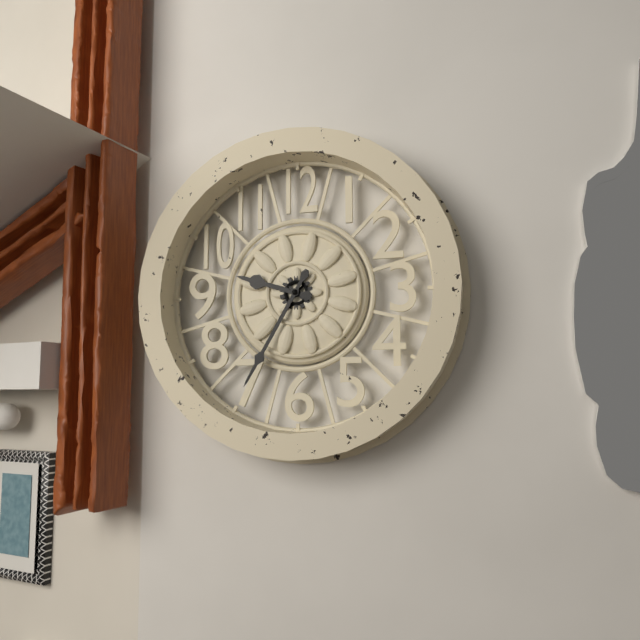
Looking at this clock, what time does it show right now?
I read 9:35
